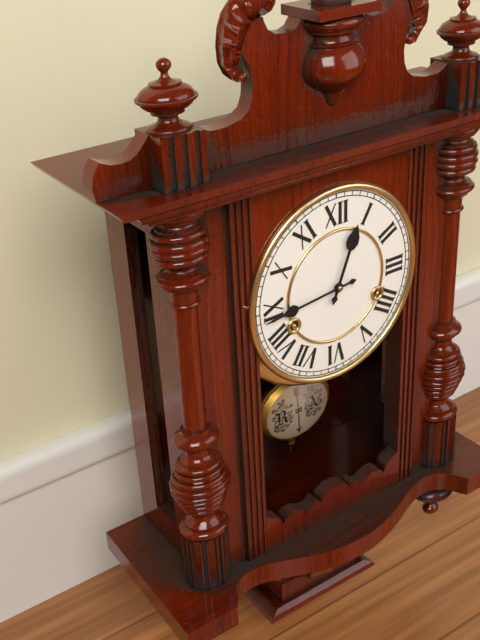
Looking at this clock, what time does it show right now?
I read 12:44
